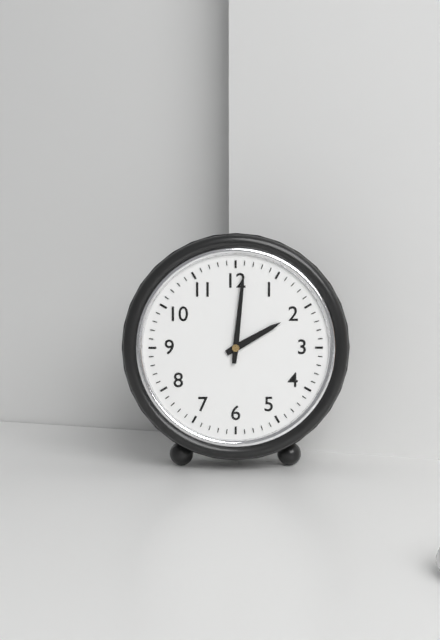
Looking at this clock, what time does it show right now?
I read 2:01
